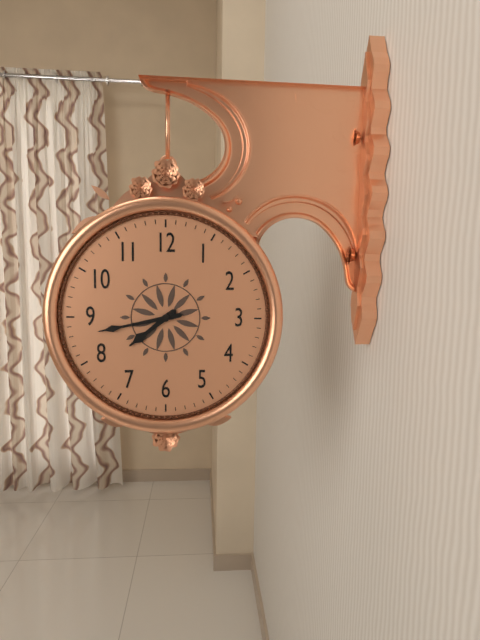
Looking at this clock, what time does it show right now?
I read 7:43
